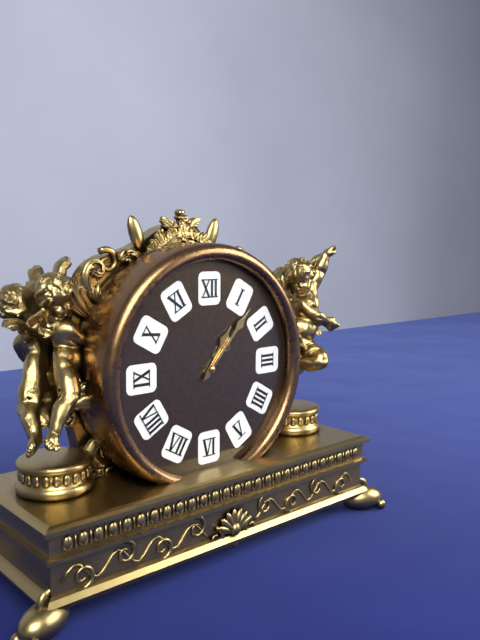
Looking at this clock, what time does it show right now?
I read 1:07
